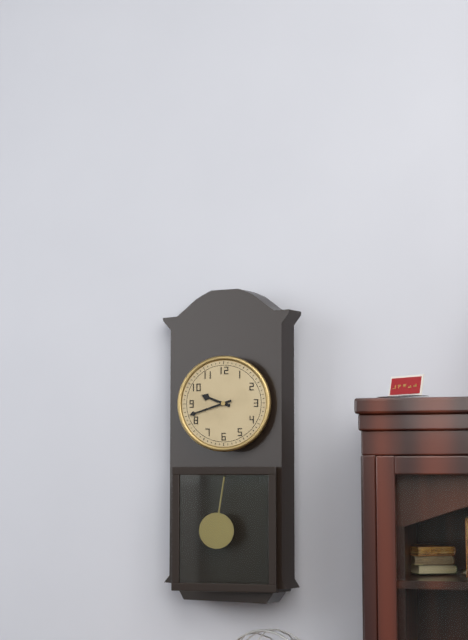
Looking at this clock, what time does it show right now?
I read 9:42
